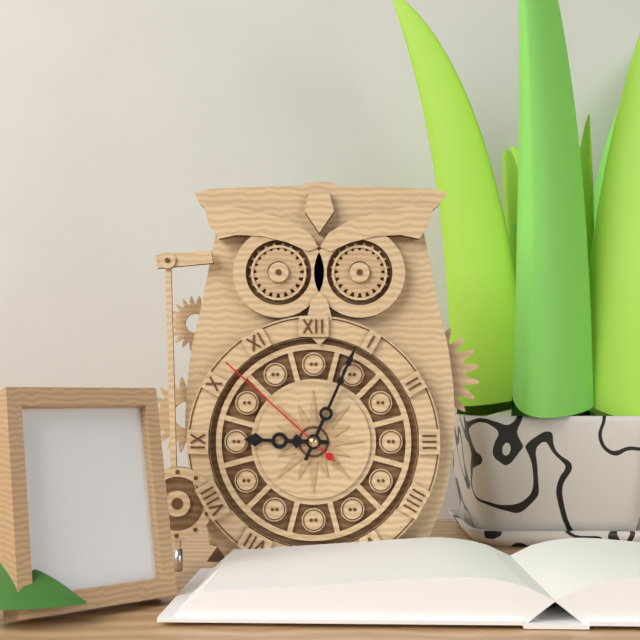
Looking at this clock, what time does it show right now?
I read 9:04:52
